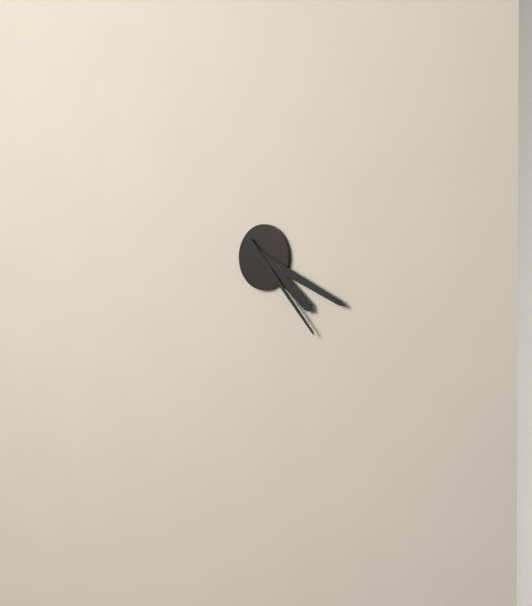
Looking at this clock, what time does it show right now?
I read 4:19:23
